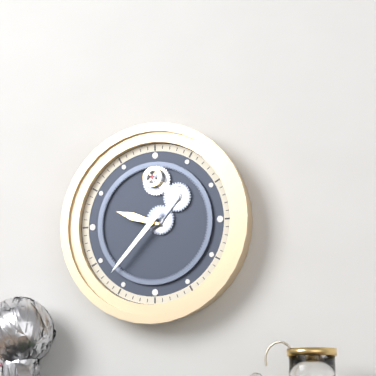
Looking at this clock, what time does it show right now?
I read 9:37
